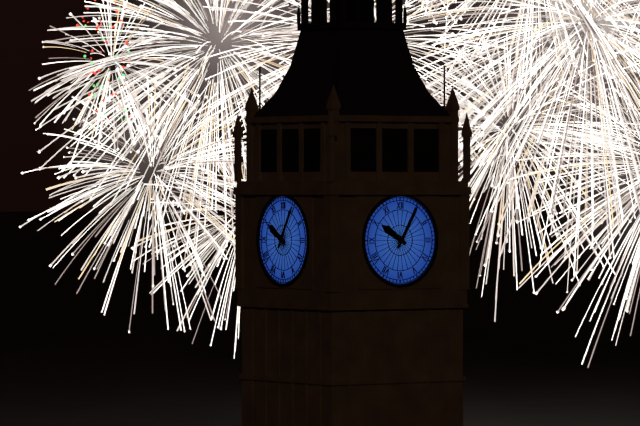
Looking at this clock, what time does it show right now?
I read 10:05
